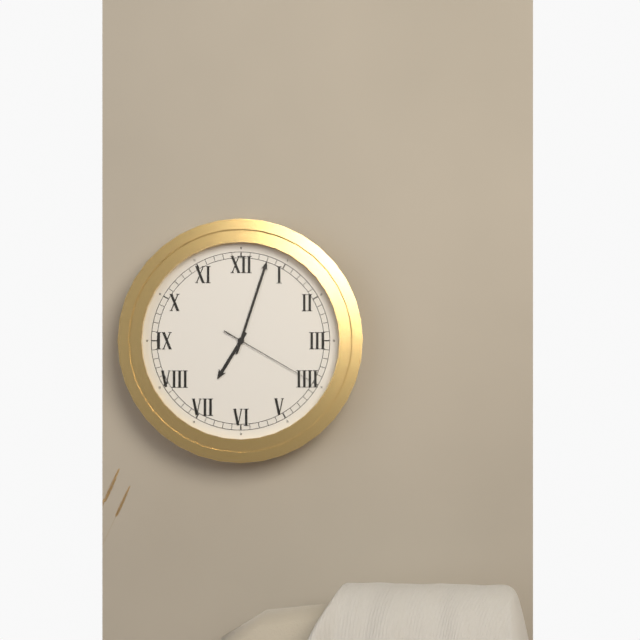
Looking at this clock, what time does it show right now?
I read 7:03:20
